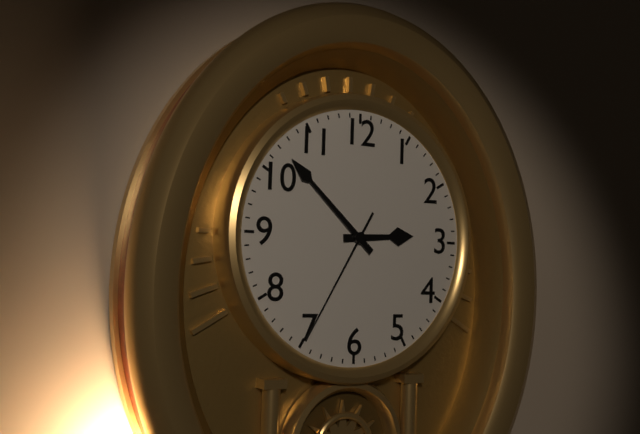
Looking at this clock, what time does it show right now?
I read 2:52:35
